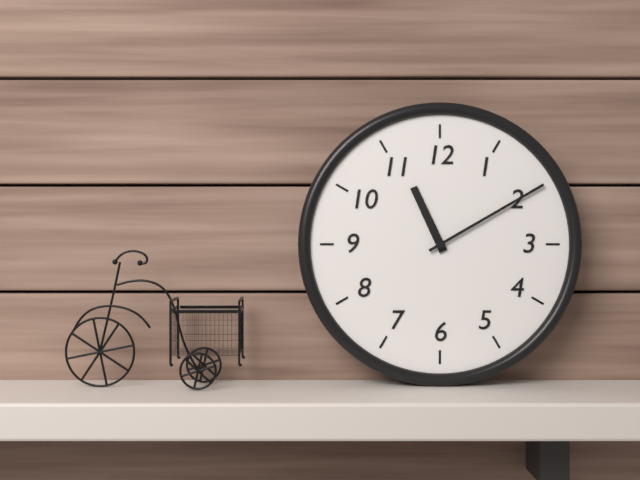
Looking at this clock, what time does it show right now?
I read 11:10
